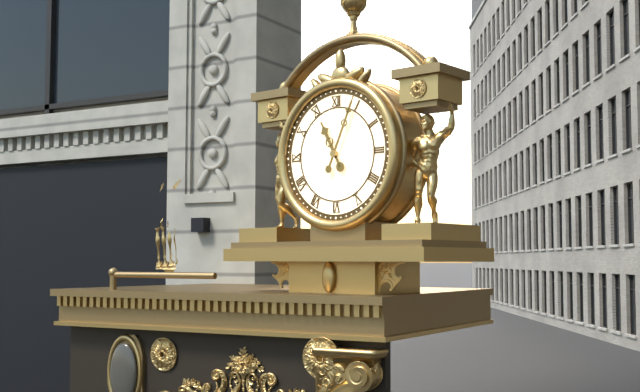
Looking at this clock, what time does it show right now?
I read 11:04
